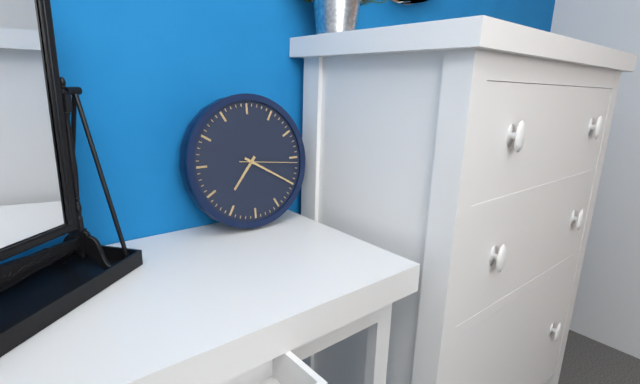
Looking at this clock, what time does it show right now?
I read 7:20:16
